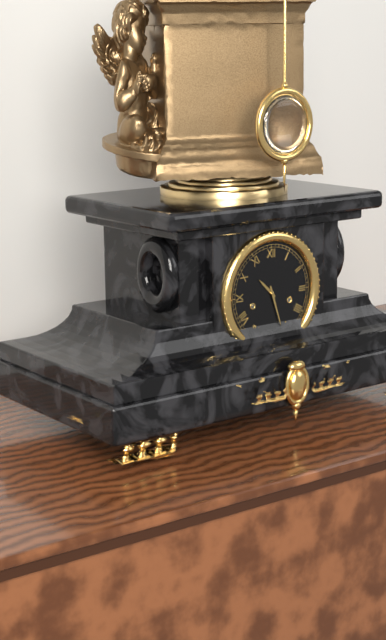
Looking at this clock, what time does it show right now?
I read 10:27
